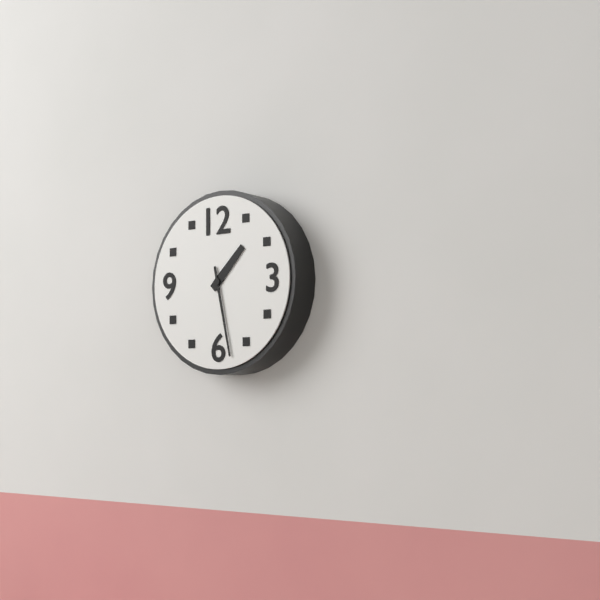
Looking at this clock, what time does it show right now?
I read 1:28
